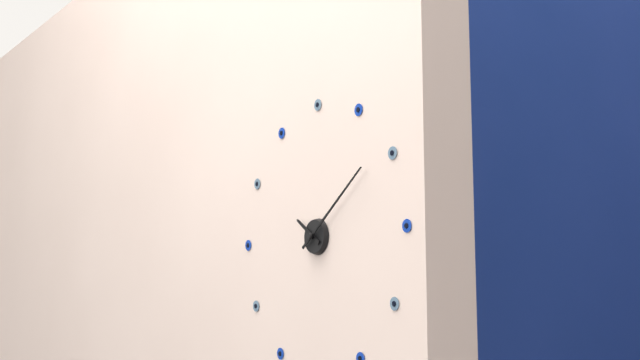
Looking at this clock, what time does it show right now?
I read 10:09
